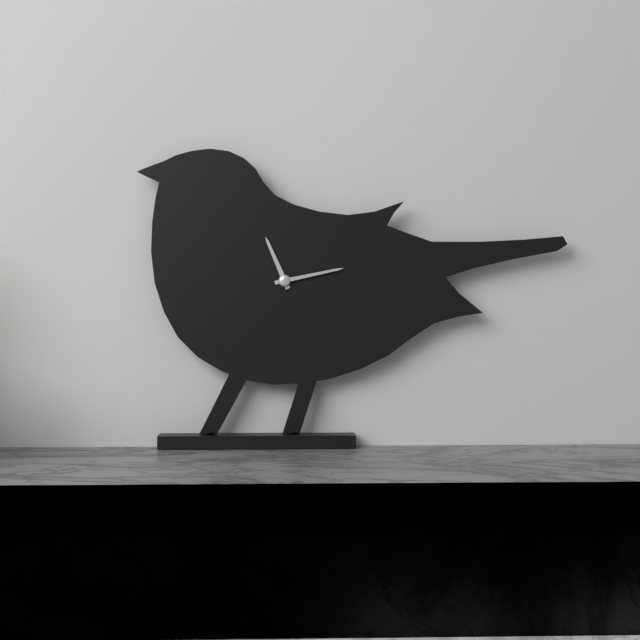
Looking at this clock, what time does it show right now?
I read 11:13
